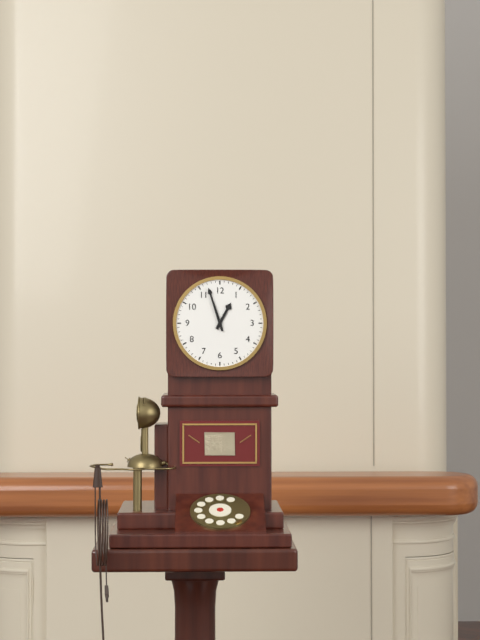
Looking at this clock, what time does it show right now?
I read 12:57
